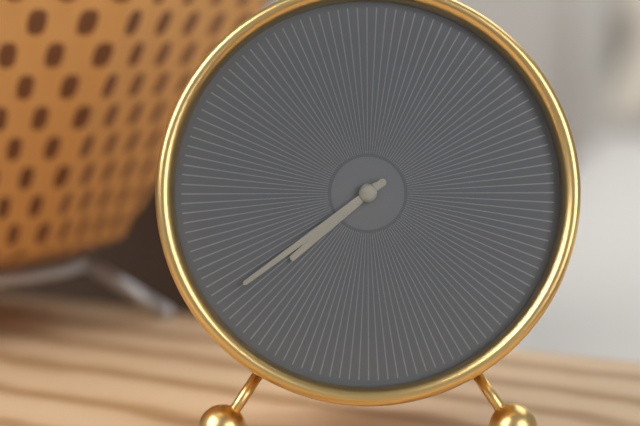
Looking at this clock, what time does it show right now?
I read 7:39
